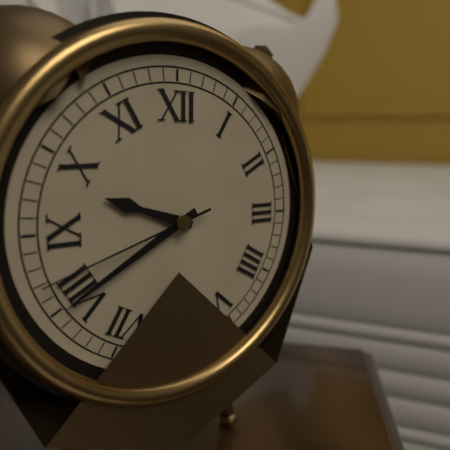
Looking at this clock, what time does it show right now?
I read 9:40:42
